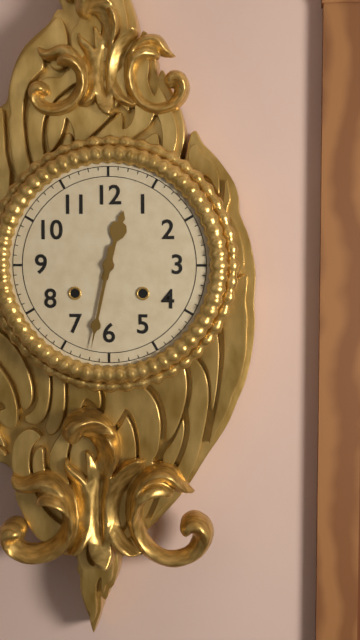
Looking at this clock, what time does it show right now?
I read 12:32
